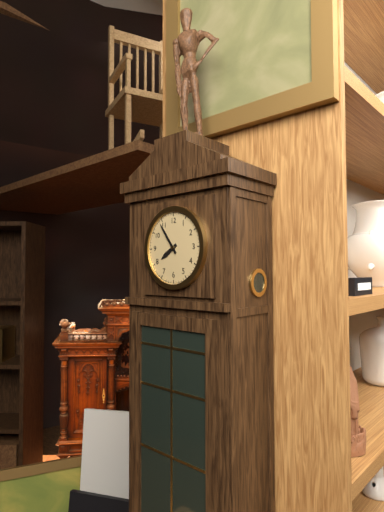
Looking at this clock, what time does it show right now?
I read 7:54
